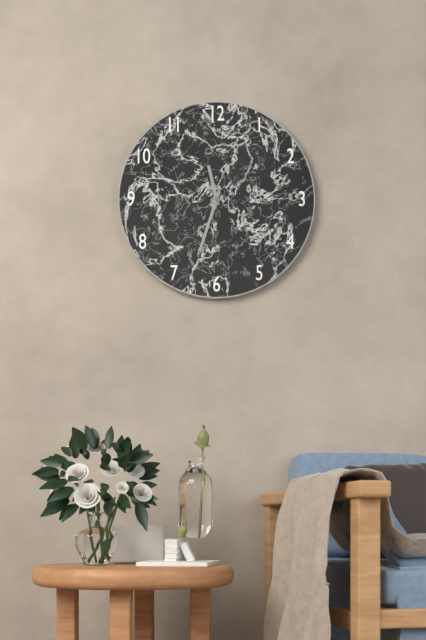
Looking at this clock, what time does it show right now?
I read 11:33
